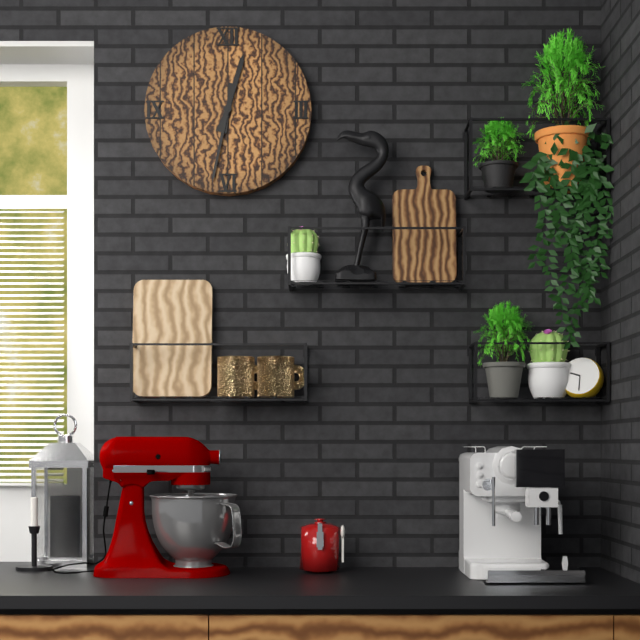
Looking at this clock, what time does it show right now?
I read 12:32
